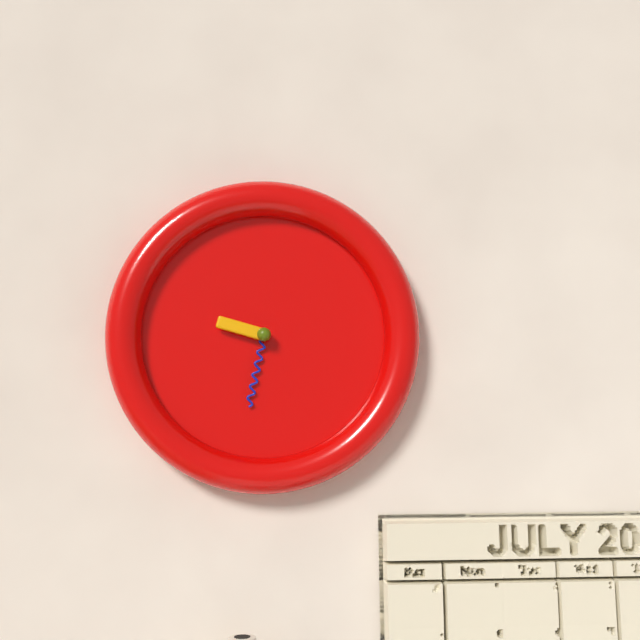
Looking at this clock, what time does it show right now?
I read 9:32
